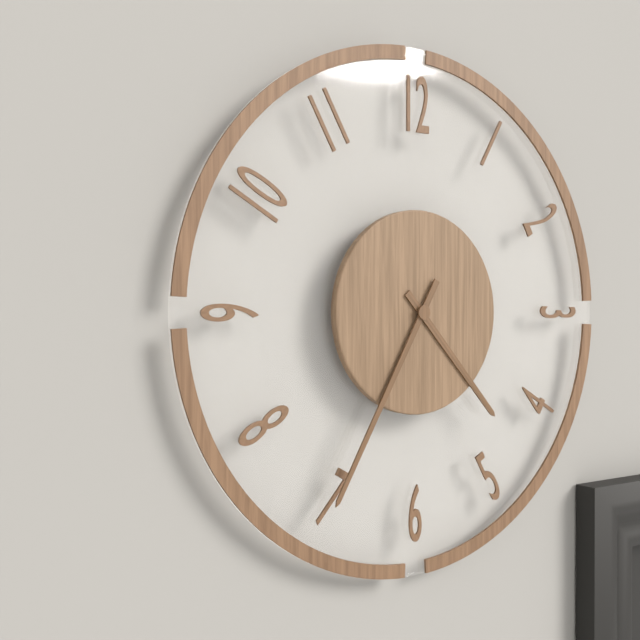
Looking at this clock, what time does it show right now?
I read 4:35
